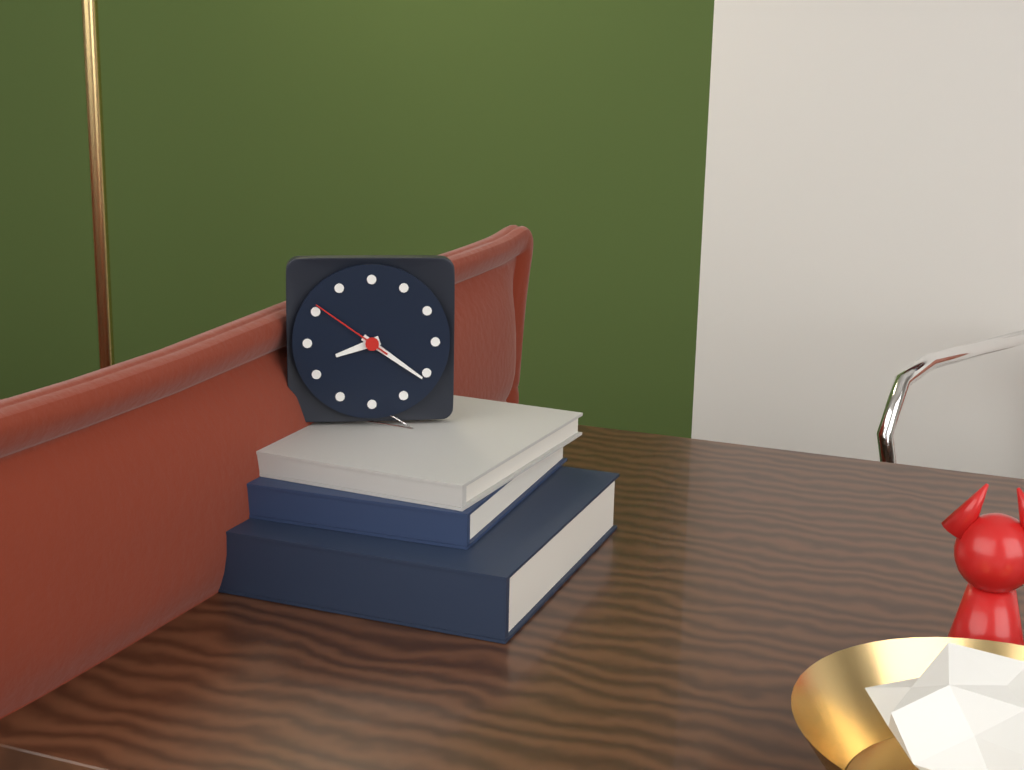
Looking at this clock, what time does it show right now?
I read 8:21:51
